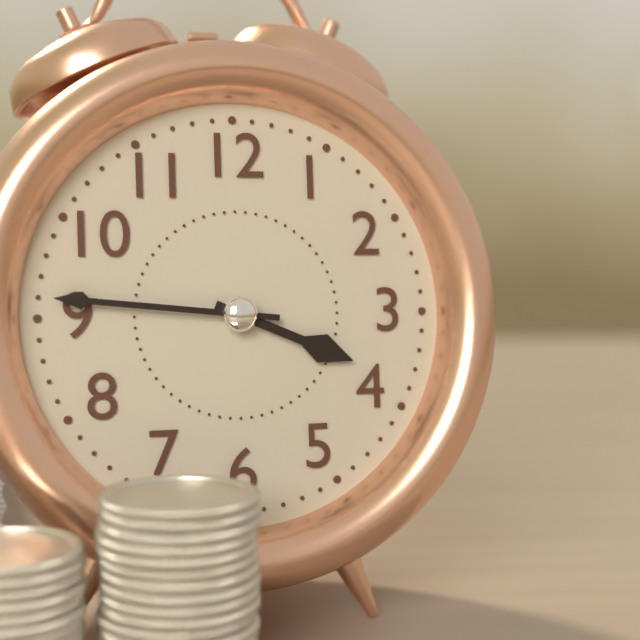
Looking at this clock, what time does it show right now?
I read 3:46
